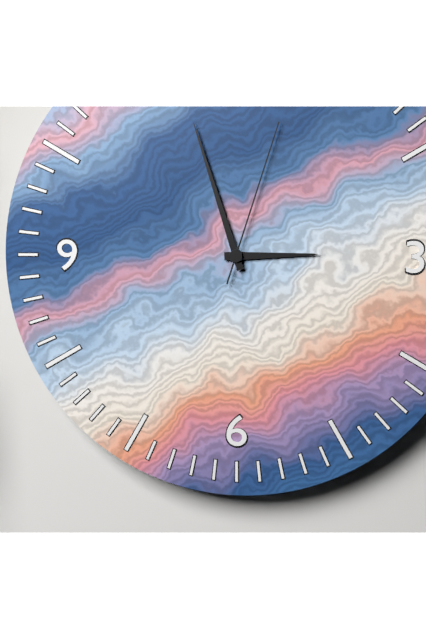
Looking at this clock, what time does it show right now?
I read 2:57:03
